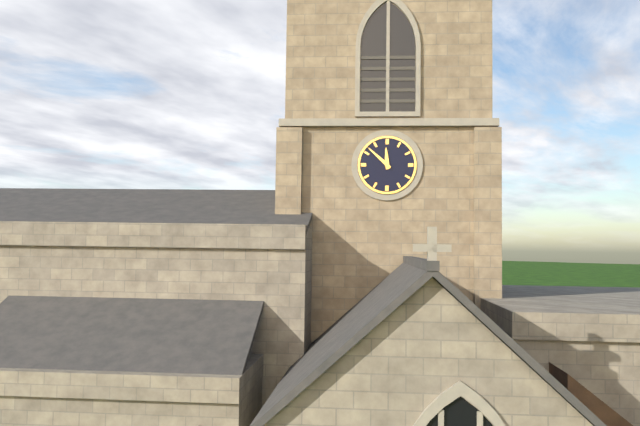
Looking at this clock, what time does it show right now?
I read 11:52
